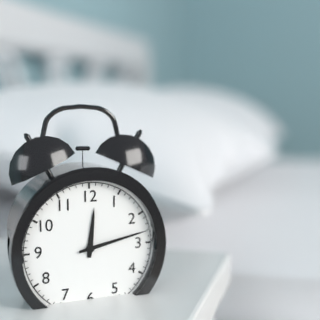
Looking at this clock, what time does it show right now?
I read 12:13
